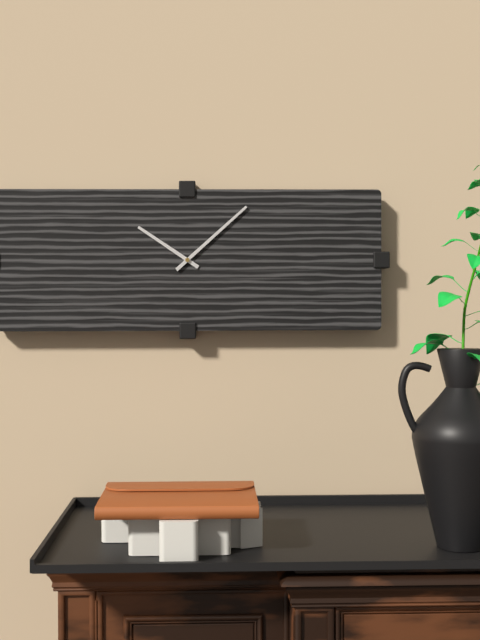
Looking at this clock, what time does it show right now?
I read 10:08
